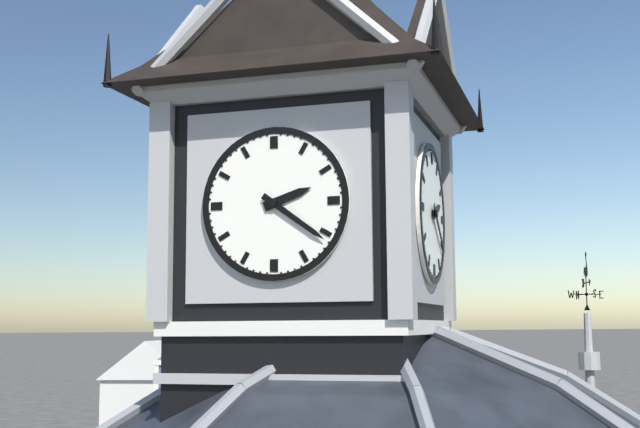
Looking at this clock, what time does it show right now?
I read 2:21
